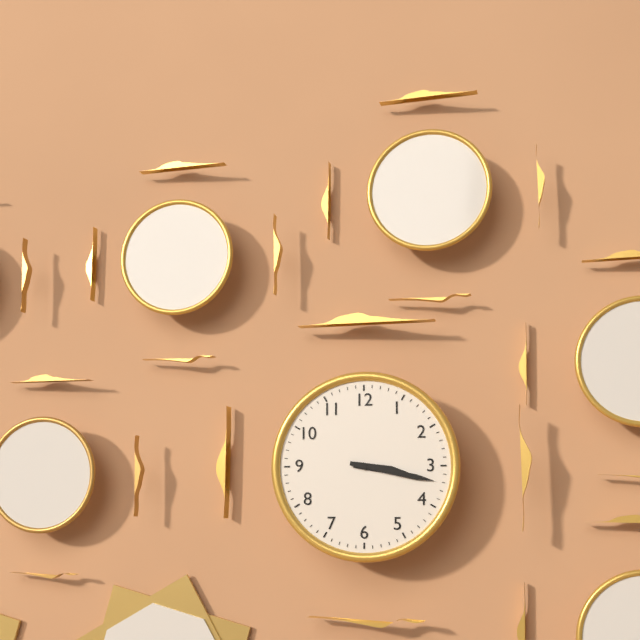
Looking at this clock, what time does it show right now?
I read 3:17
